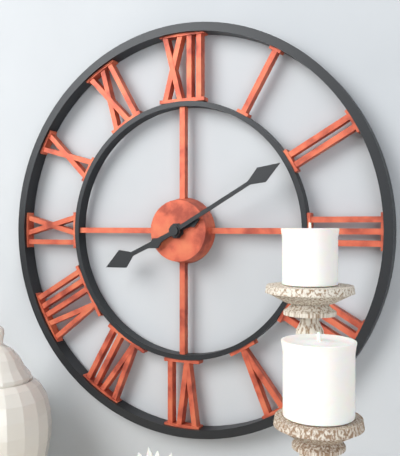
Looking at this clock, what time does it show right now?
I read 8:10
